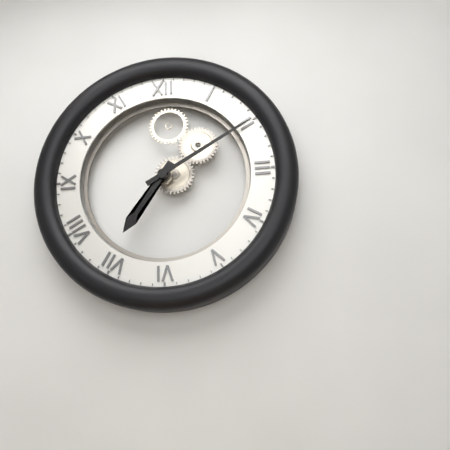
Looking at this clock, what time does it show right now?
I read 7:10
